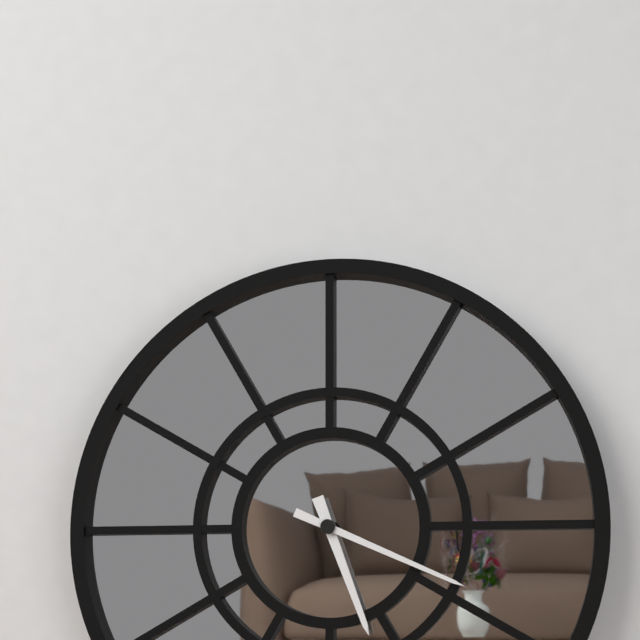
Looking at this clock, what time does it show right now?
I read 5:19
